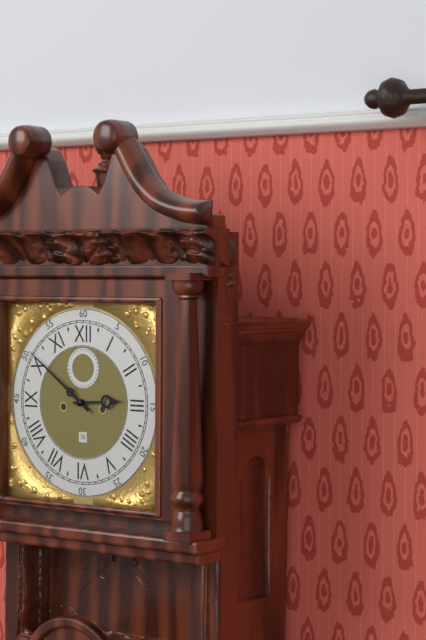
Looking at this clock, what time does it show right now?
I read 2:51
